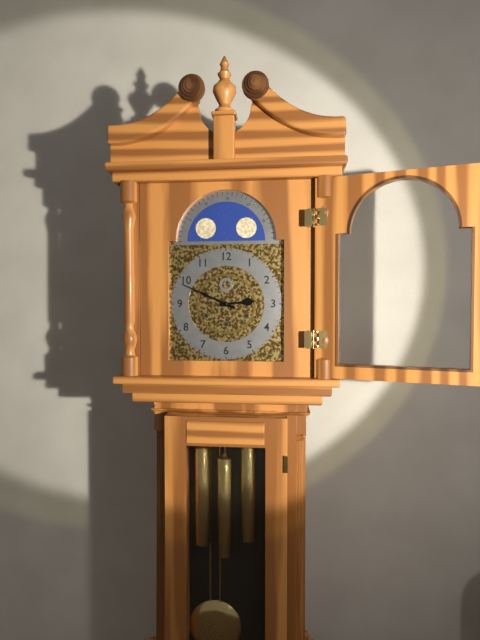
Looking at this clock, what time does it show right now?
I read 2:49
